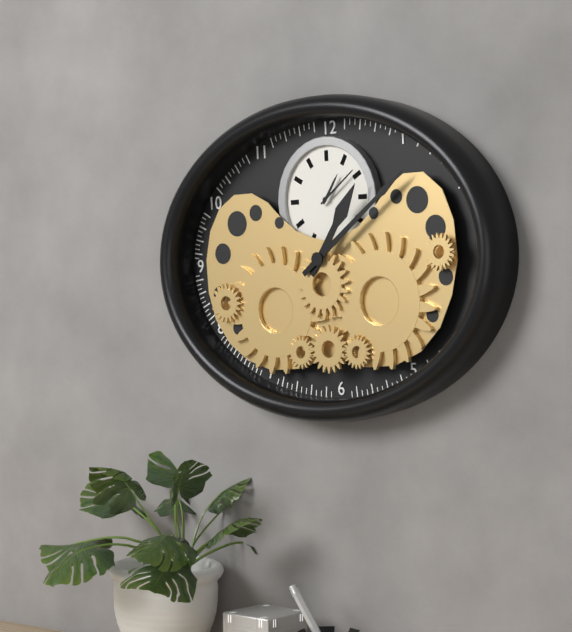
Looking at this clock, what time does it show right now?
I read 1:09
